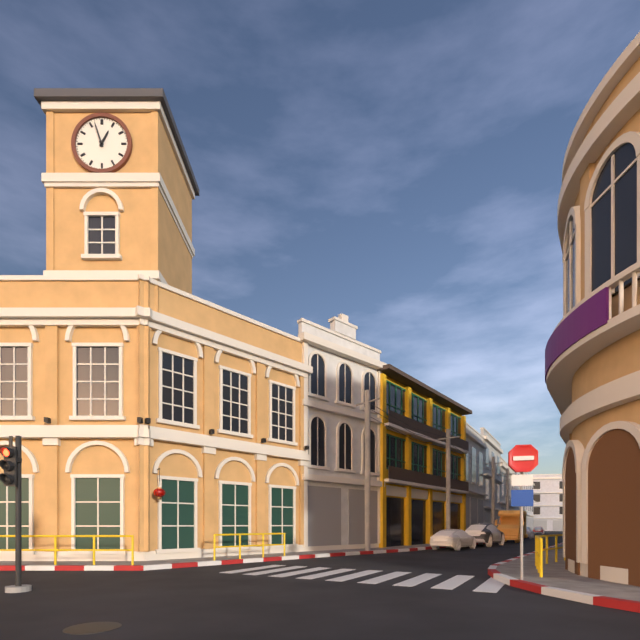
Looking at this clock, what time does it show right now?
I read 12:57
